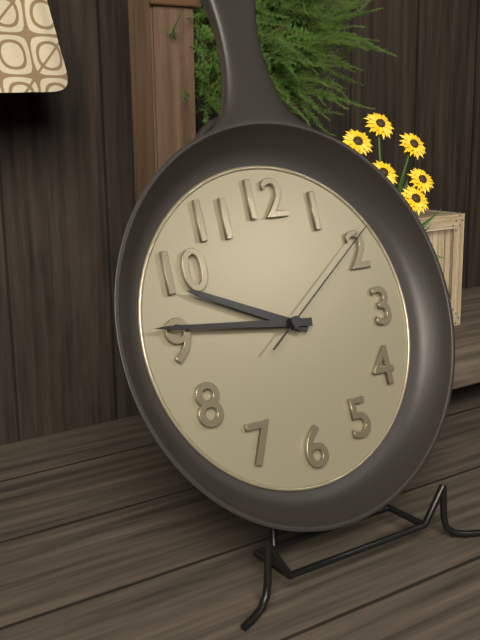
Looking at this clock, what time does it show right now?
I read 9:46:09
